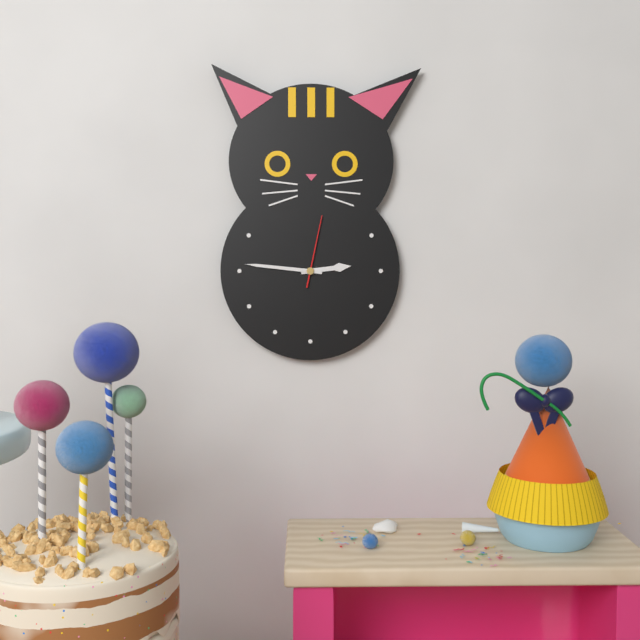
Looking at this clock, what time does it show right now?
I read 2:46:02
